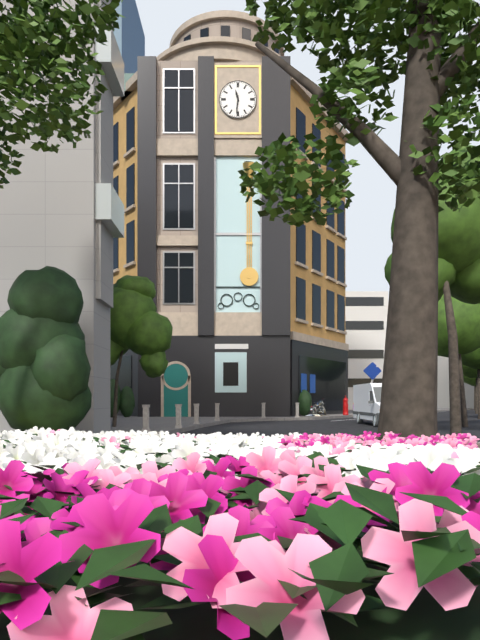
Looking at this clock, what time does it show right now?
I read 11:31
